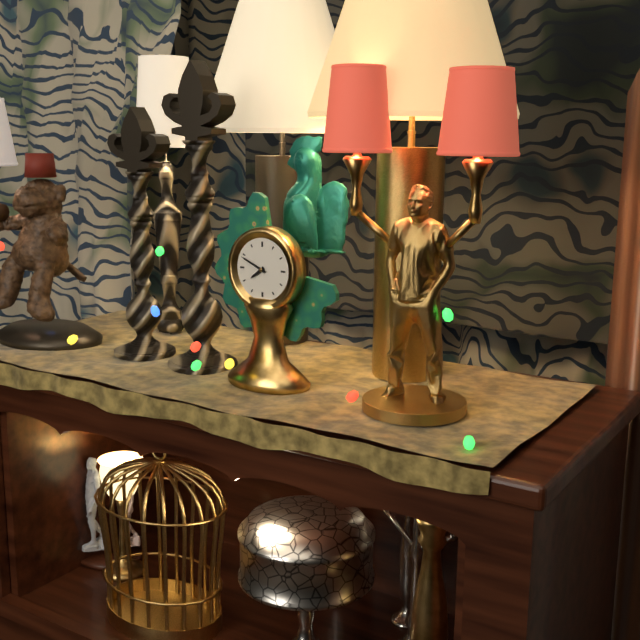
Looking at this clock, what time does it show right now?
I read 7:49
